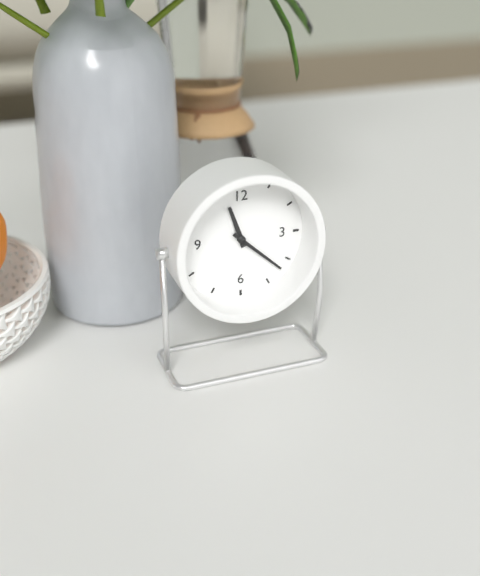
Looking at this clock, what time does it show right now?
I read 11:22
